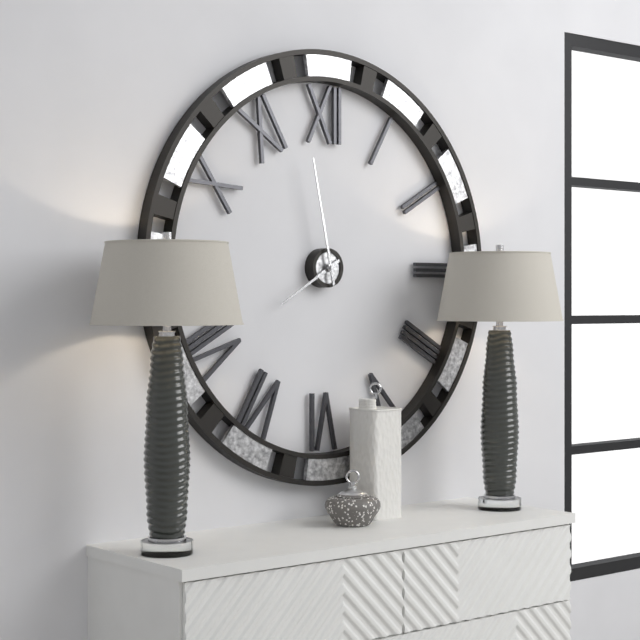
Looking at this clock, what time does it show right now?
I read 7:58
